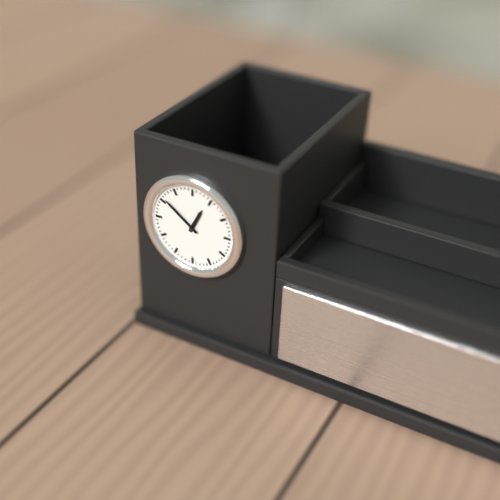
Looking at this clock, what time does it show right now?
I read 12:51
